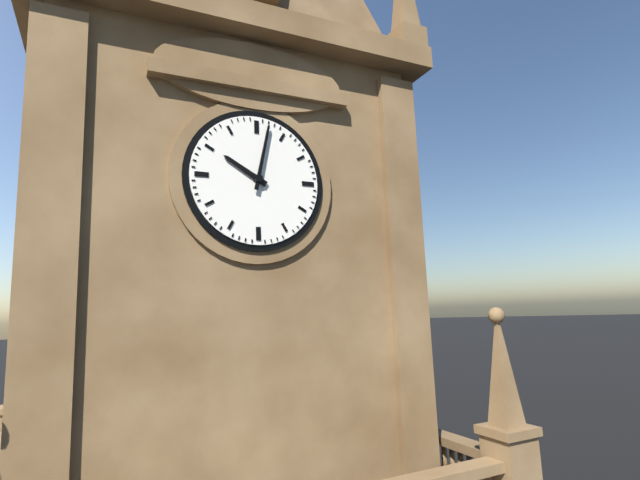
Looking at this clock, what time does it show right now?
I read 10:02
